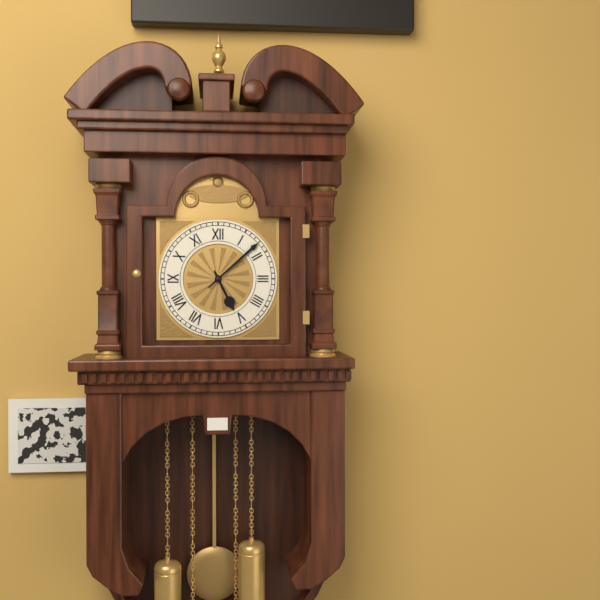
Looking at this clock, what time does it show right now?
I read 5:08
